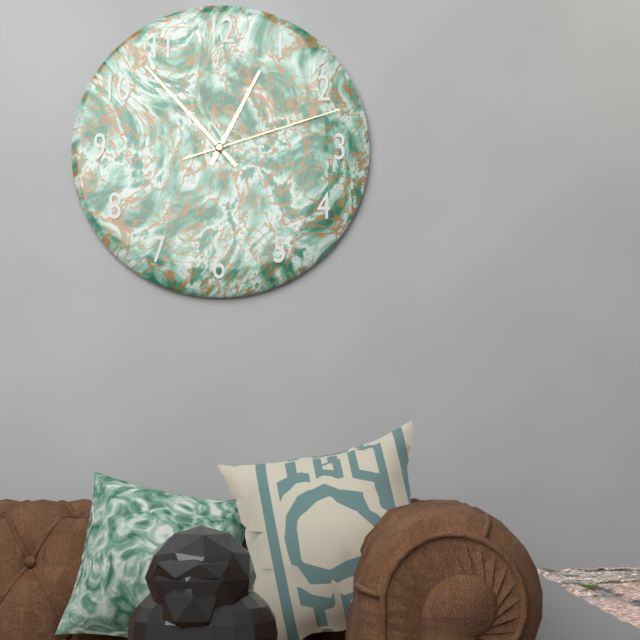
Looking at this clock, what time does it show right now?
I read 12:53:12
